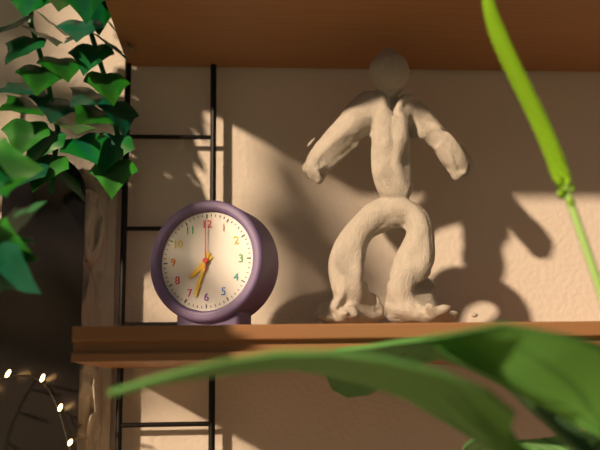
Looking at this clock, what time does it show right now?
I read 7:33:00
